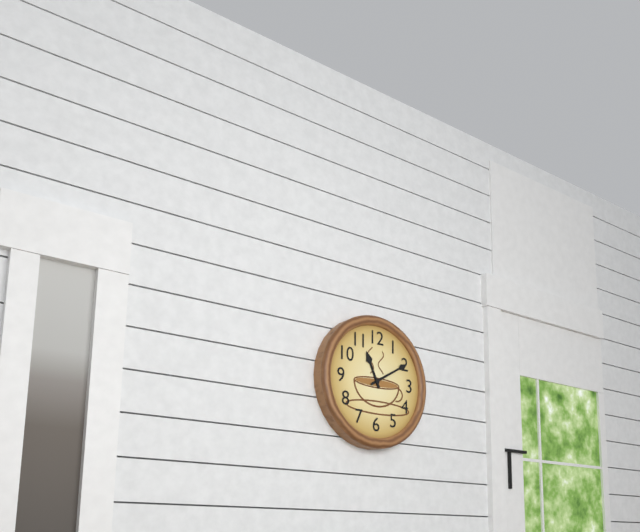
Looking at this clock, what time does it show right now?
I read 11:10
